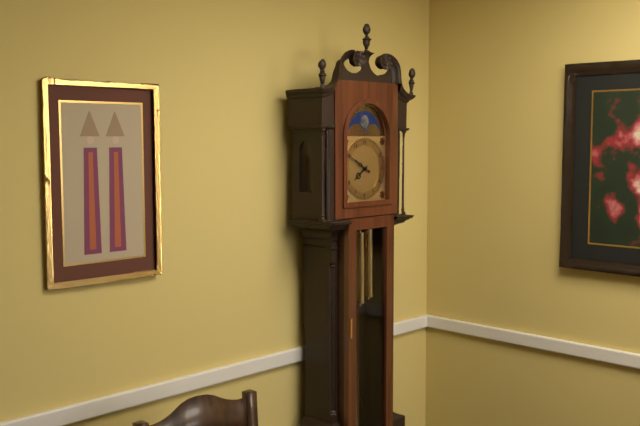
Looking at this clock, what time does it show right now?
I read 7:50
